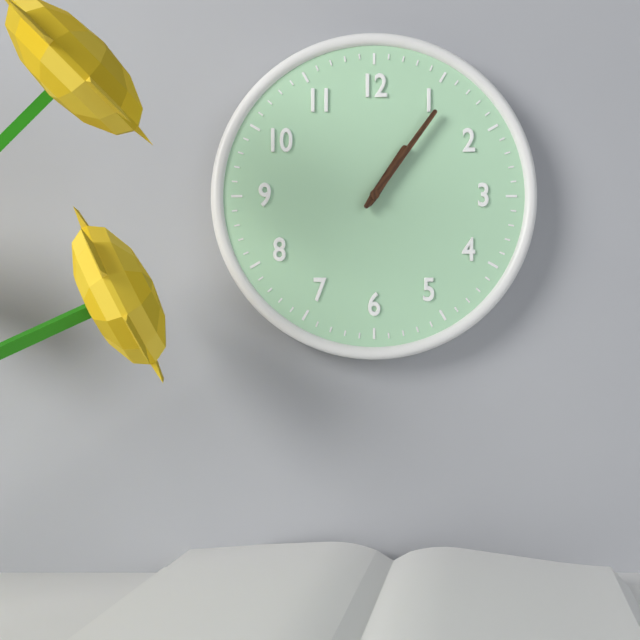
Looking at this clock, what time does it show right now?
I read 1:06
